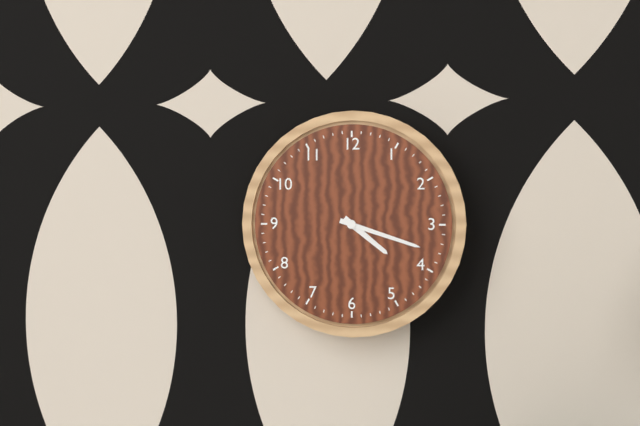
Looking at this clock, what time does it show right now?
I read 4:18
